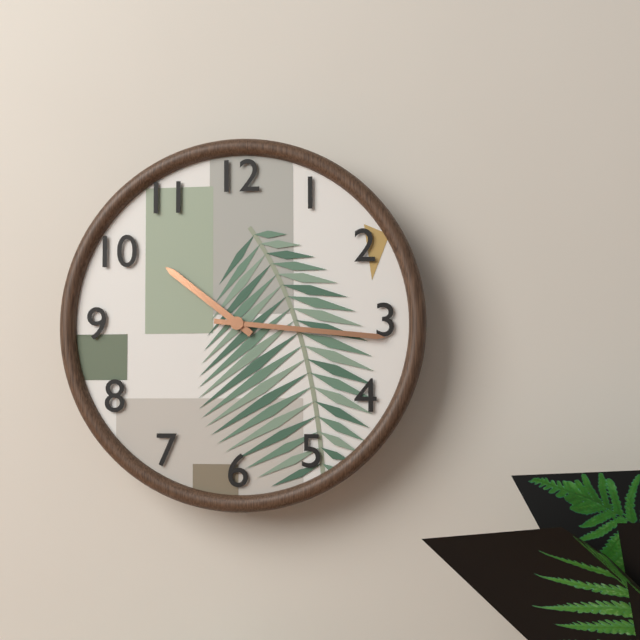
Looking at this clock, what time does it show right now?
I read 10:16
